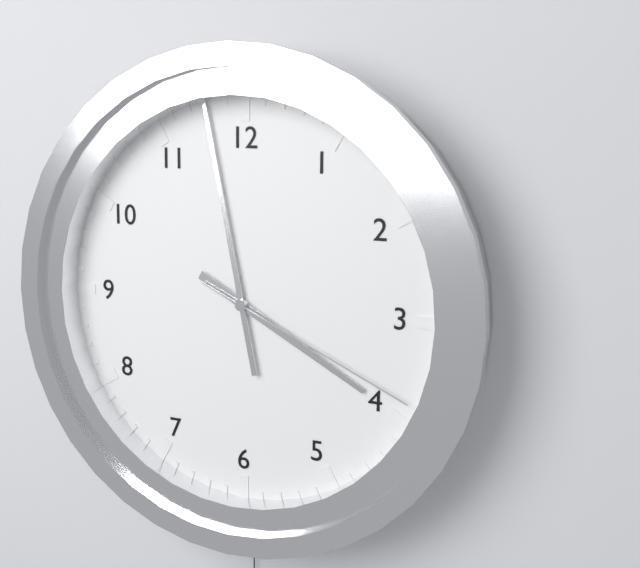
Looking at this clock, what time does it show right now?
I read 3:58:19
